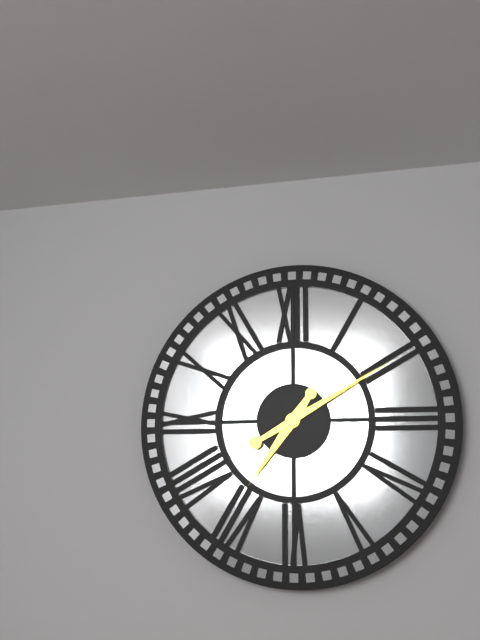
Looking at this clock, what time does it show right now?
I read 7:10
